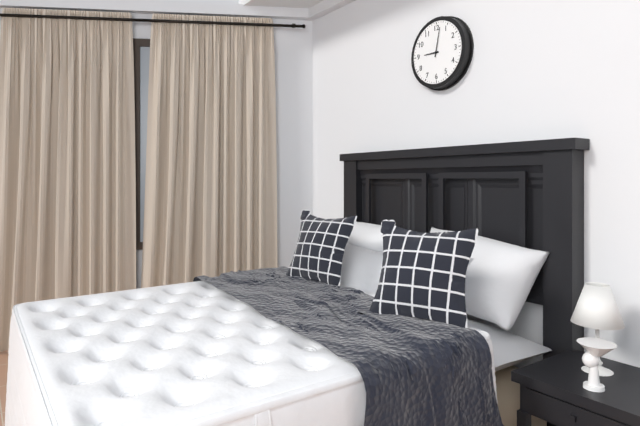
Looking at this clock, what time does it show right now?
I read 9:02
